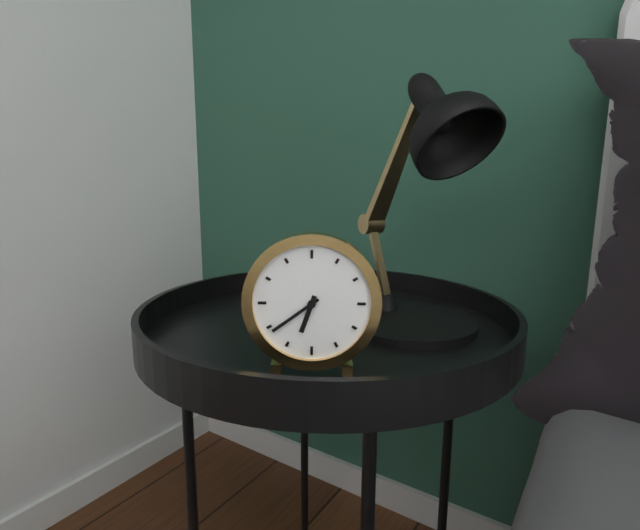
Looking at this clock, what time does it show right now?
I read 6:39
